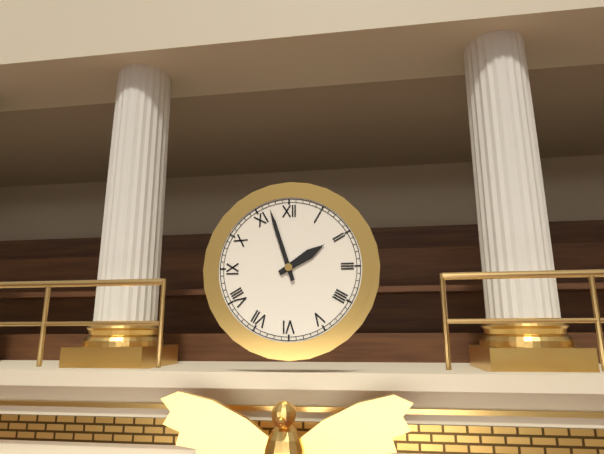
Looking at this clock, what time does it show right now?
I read 1:57
